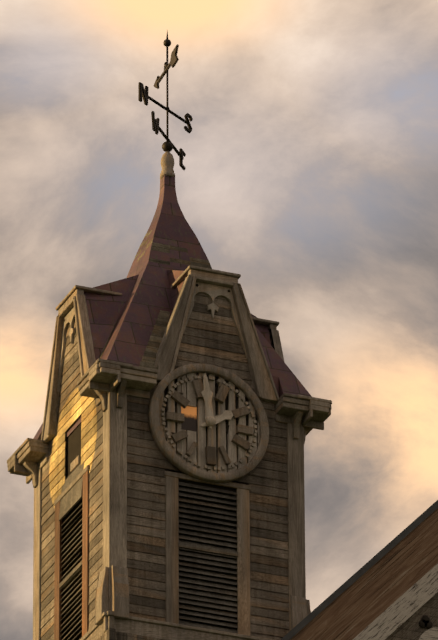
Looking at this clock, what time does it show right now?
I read 1:59
